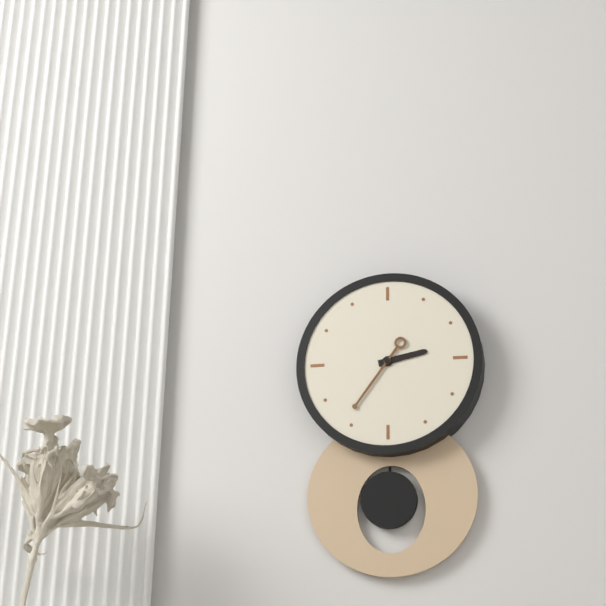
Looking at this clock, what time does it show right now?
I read 2:36
